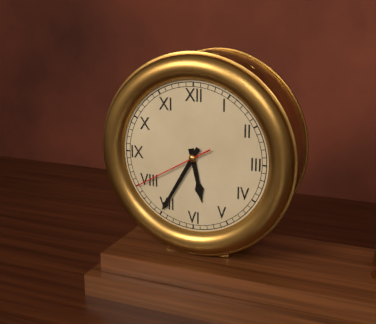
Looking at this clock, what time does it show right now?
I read 5:35:40
